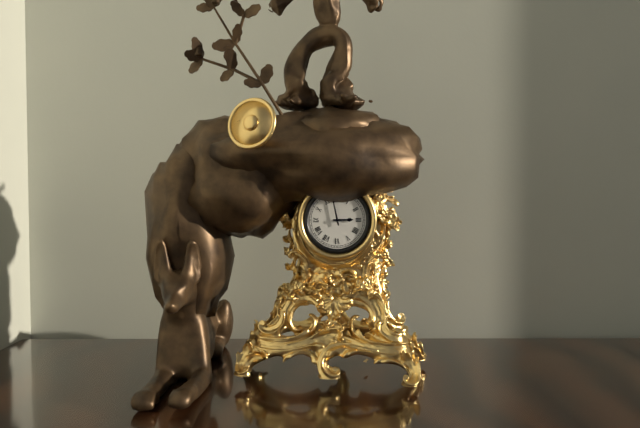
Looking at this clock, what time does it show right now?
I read 2:58
